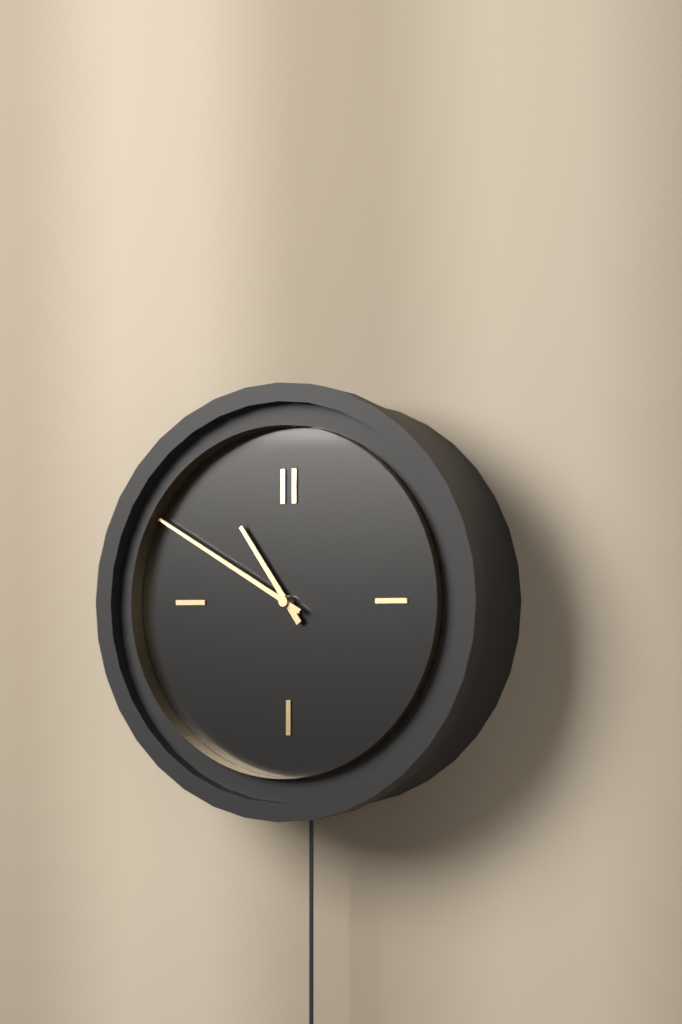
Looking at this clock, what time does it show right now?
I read 10:50
